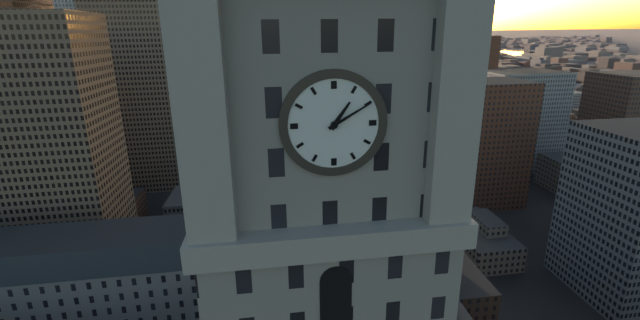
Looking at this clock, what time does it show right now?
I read 1:10
